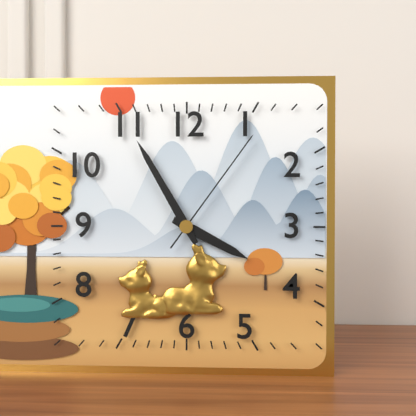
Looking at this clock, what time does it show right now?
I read 3:55:06
